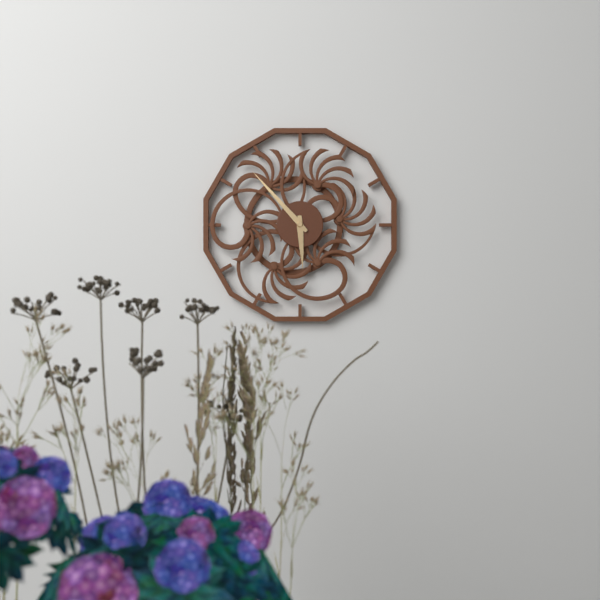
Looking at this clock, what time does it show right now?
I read 5:53
